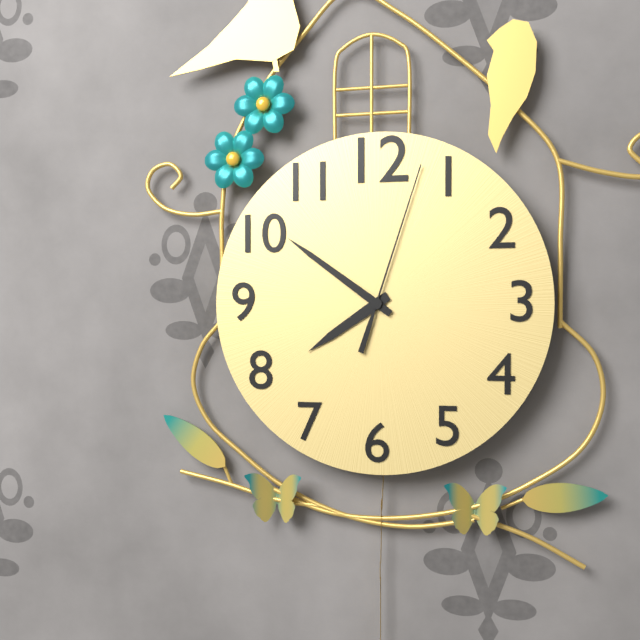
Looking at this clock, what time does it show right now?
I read 7:51:03
